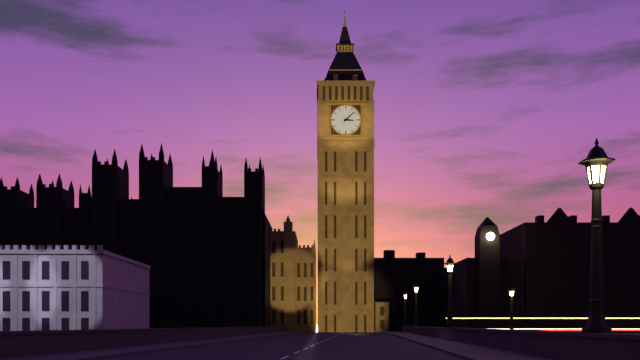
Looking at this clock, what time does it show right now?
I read 3:08
